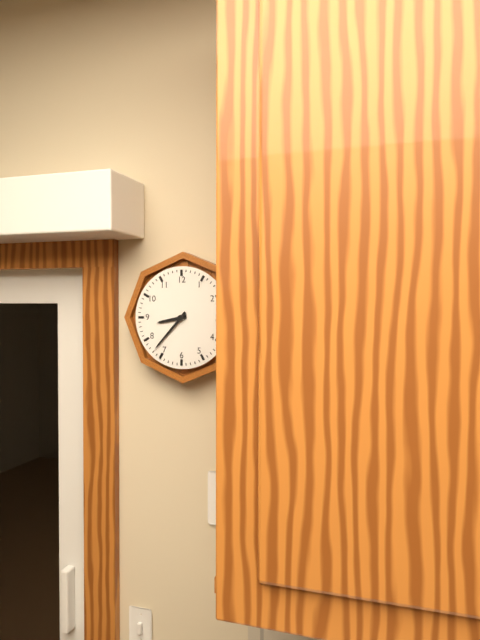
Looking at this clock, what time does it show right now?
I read 8:37
